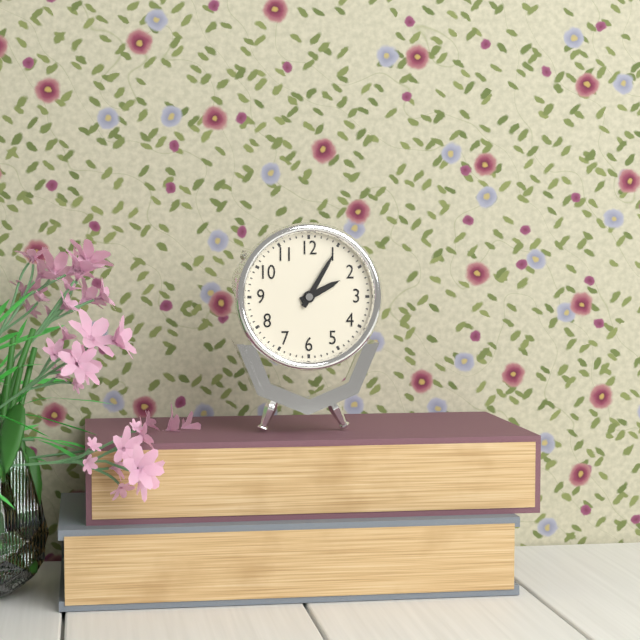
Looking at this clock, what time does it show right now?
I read 2:05
